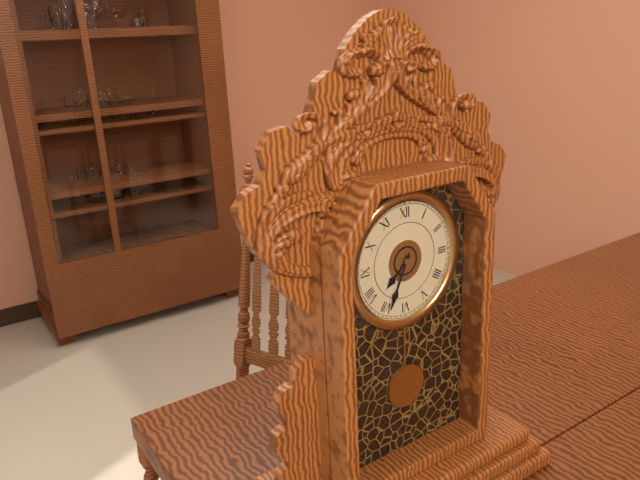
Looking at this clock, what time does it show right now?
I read 7:34
